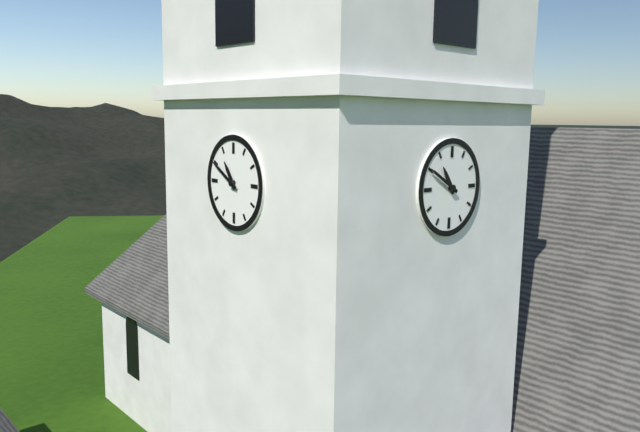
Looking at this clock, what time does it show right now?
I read 10:50
